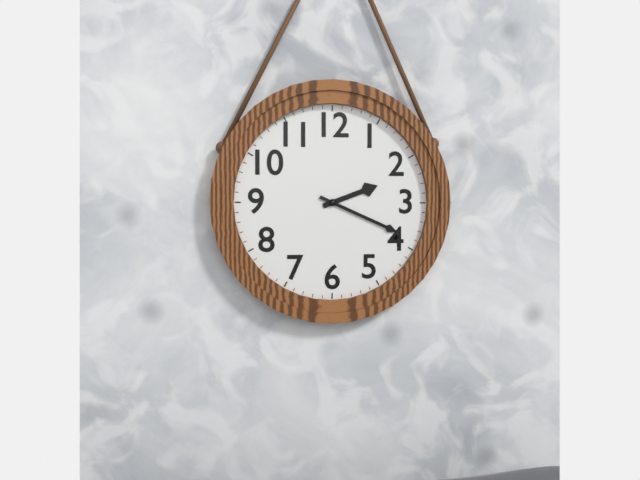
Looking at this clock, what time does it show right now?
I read 2:19
